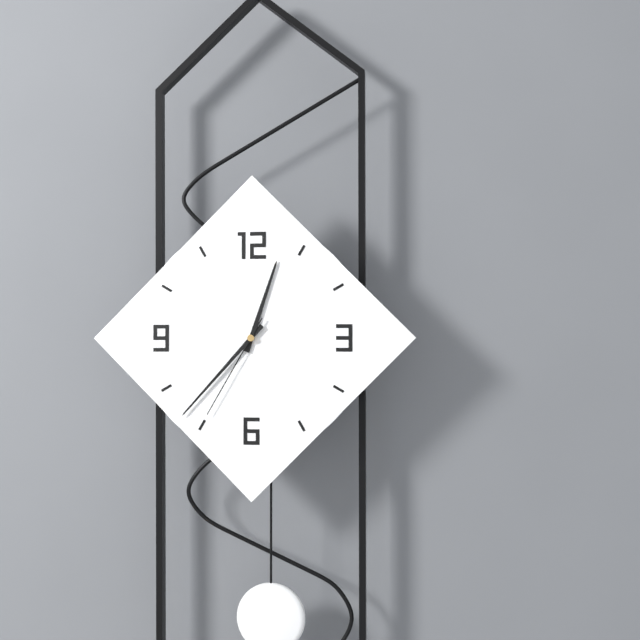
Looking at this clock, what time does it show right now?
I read 12:37:35
